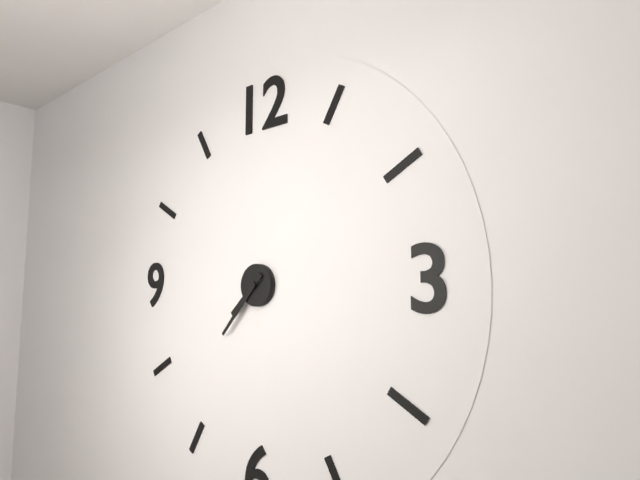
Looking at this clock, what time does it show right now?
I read 7:37
